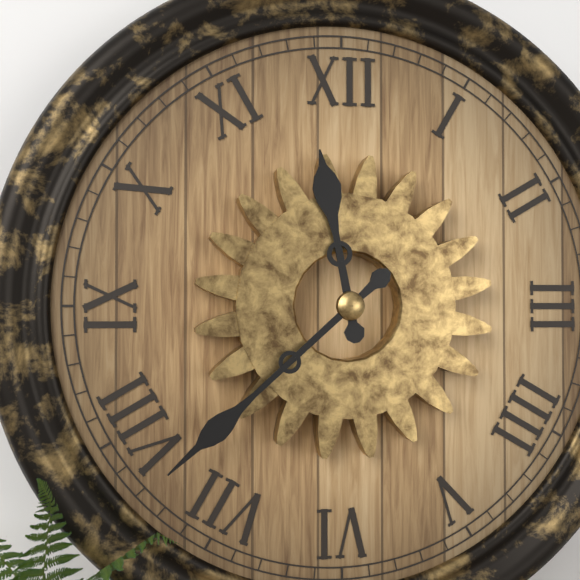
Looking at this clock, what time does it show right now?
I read 11:38
